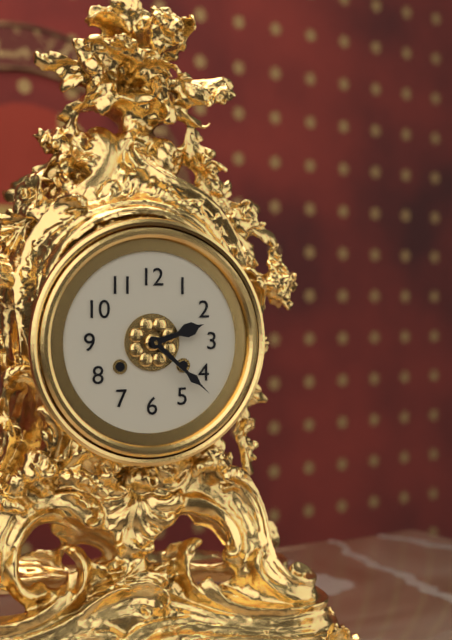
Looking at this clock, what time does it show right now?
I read 2:22
